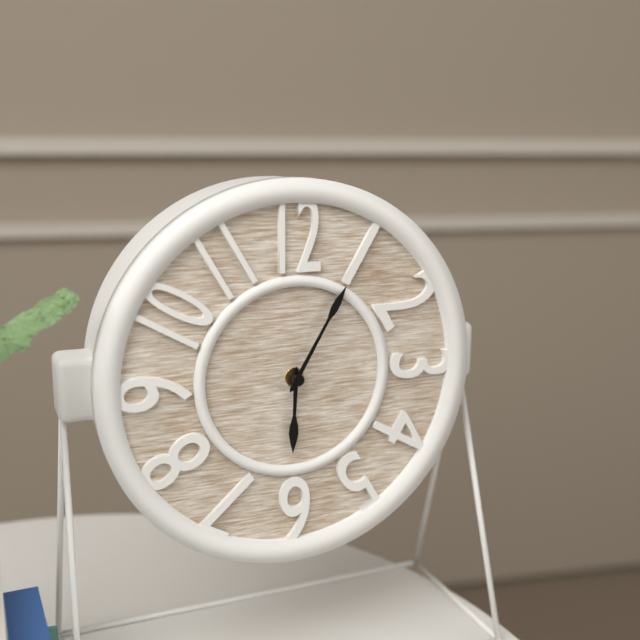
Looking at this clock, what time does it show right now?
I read 6:05
